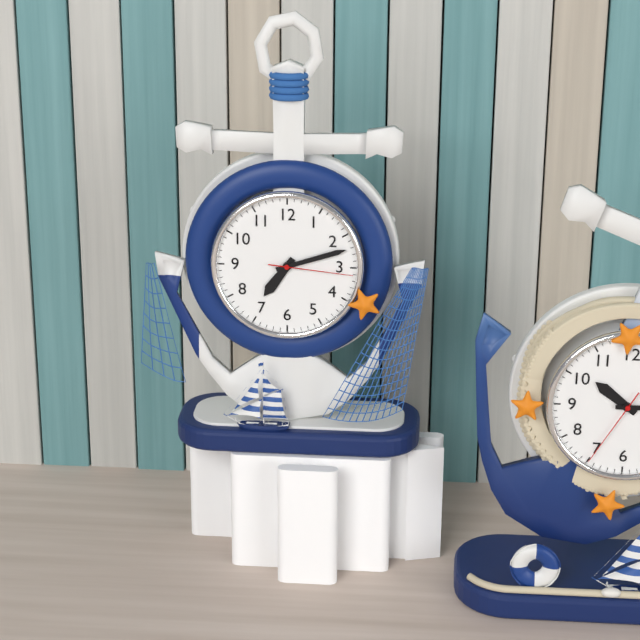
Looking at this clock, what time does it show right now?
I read 7:12:16
